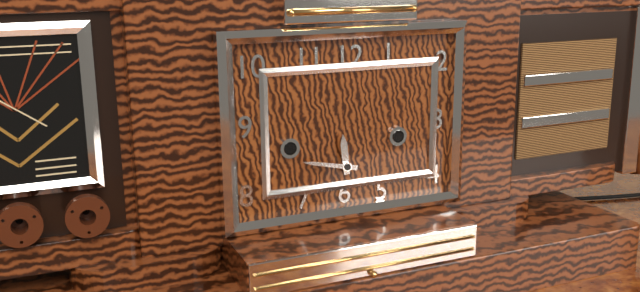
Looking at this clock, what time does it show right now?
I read 11:47
